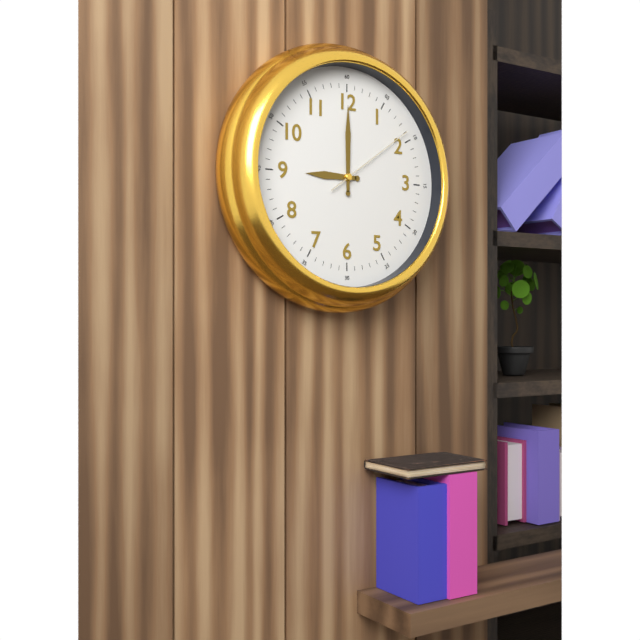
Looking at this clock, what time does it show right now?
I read 9:00:09
